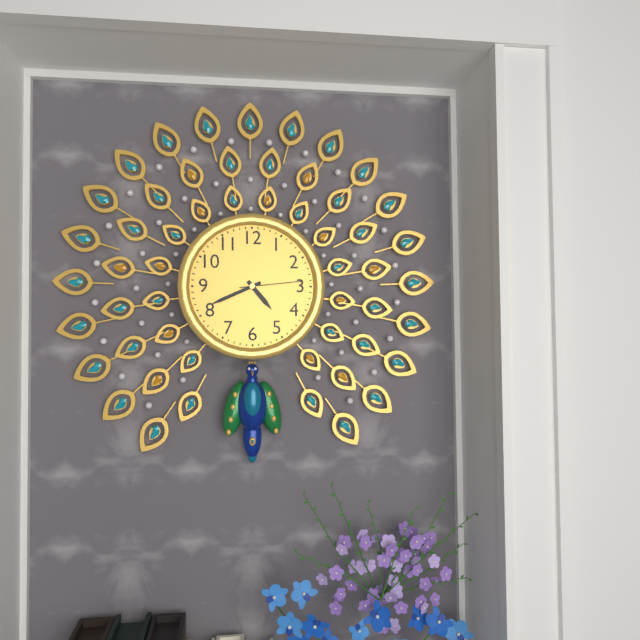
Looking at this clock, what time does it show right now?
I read 4:41:14
